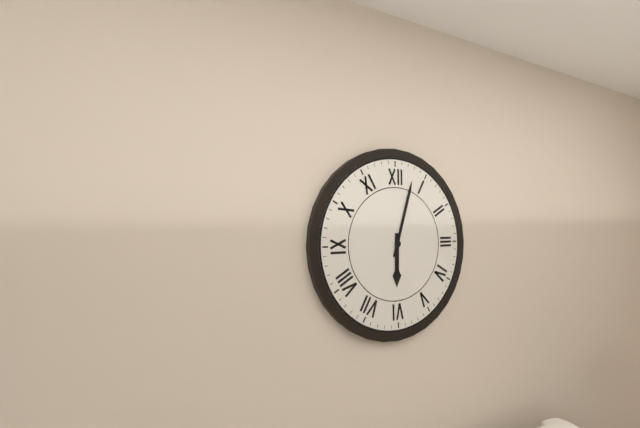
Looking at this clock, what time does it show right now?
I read 6:03
